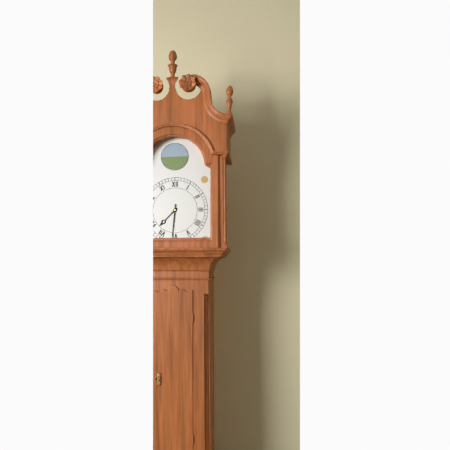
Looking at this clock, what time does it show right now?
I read 7:31
